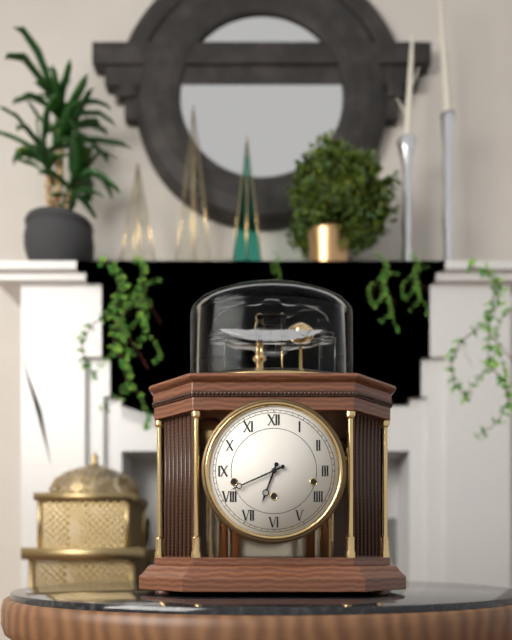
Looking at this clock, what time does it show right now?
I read 6:41
